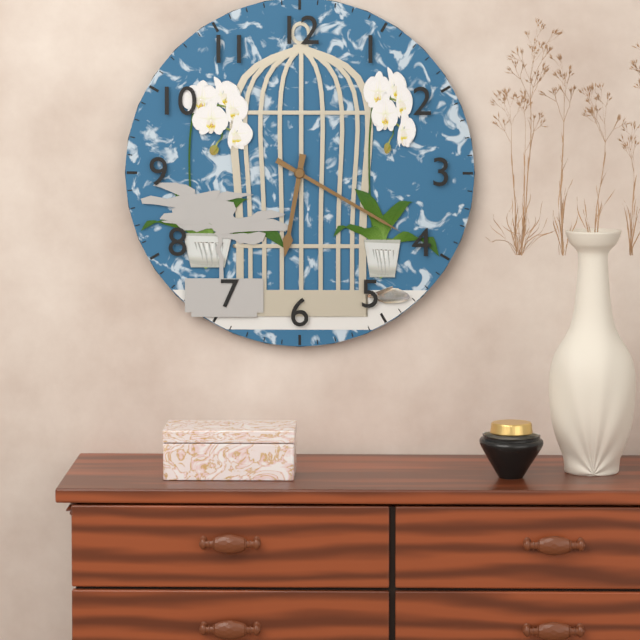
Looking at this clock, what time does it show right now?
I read 6:20
